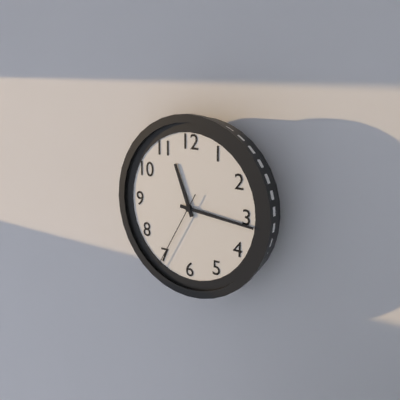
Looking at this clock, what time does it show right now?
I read 11:16:35
